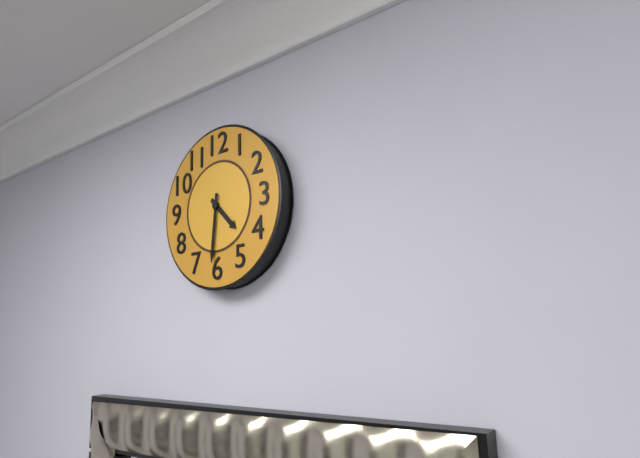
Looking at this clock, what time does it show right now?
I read 4:31
